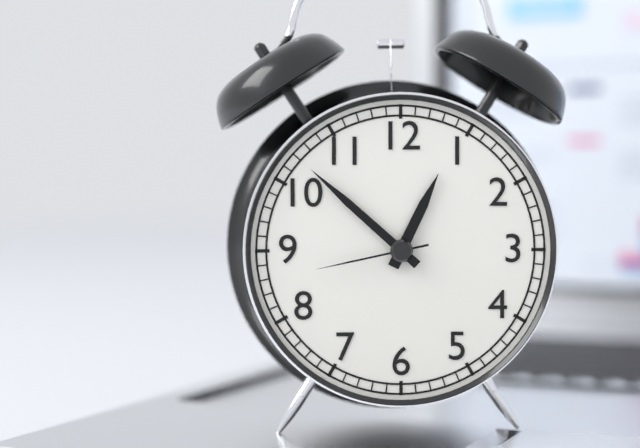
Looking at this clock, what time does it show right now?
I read 12:52:43
